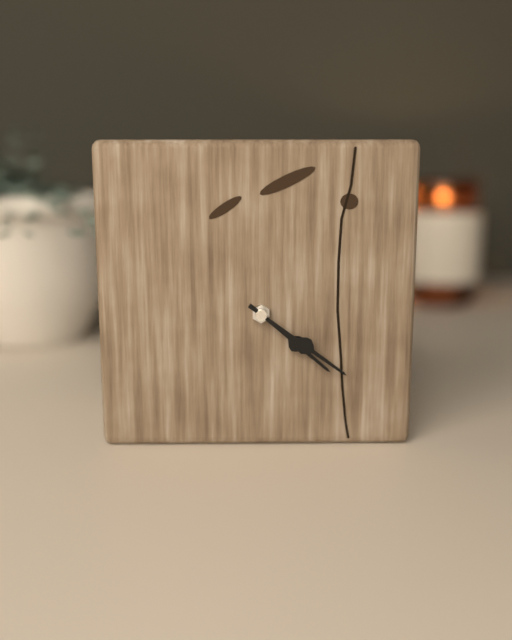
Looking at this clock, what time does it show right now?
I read 4:21
